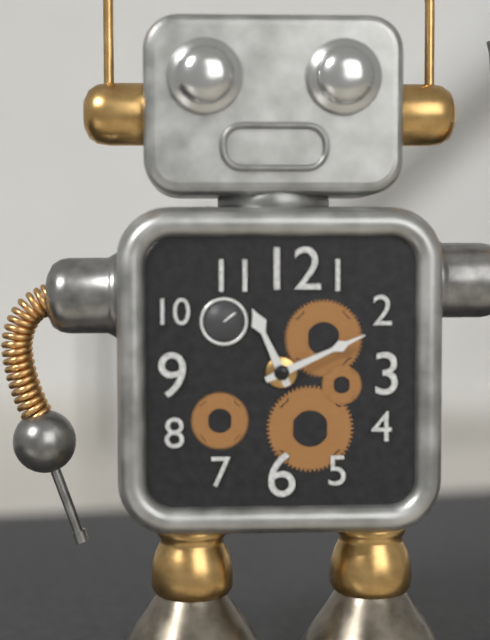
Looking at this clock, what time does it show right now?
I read 11:11
